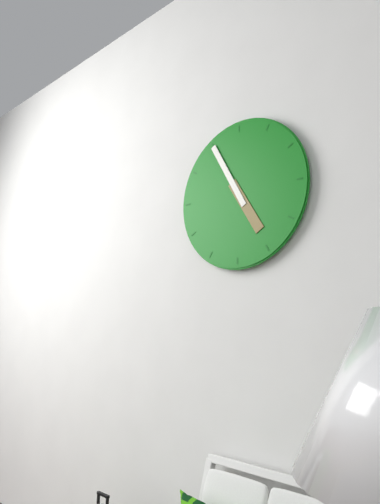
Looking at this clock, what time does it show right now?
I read 4:55
